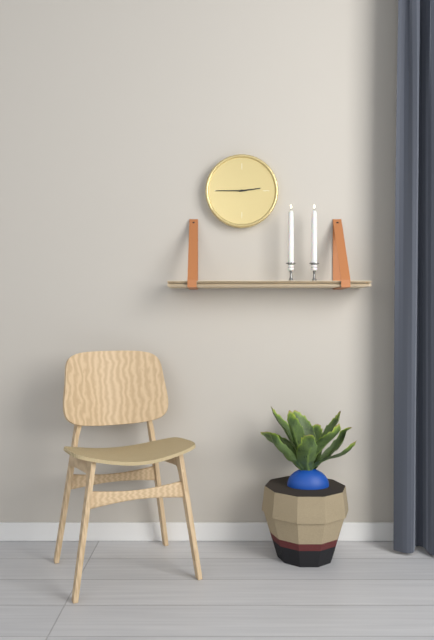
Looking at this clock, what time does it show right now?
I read 2:45
